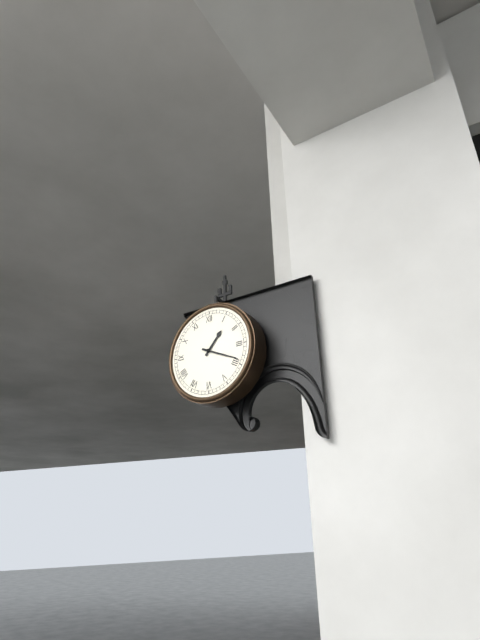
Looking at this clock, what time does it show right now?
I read 1:19
